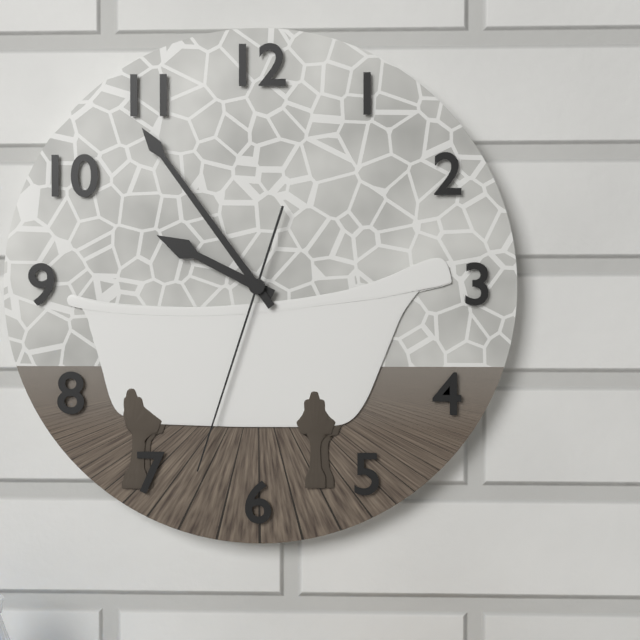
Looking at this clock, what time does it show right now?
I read 9:54:33
